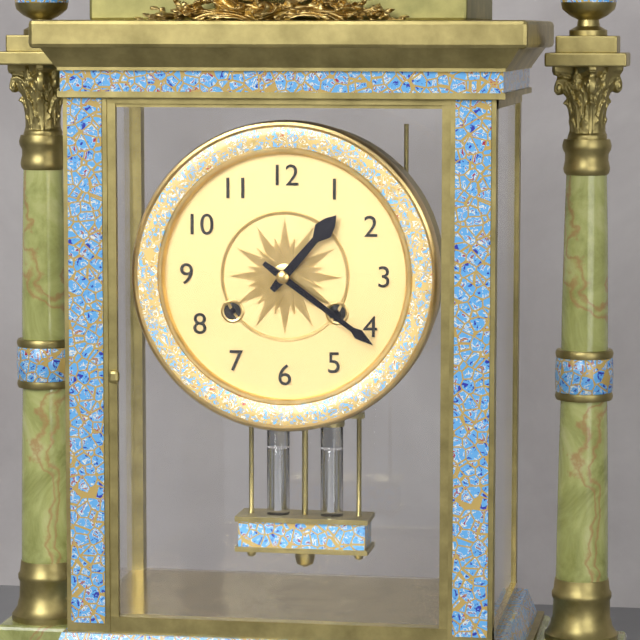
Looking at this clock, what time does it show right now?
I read 1:21
